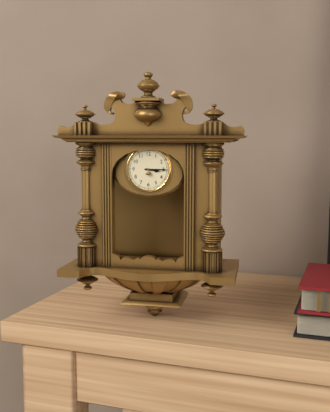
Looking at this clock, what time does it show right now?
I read 3:15
